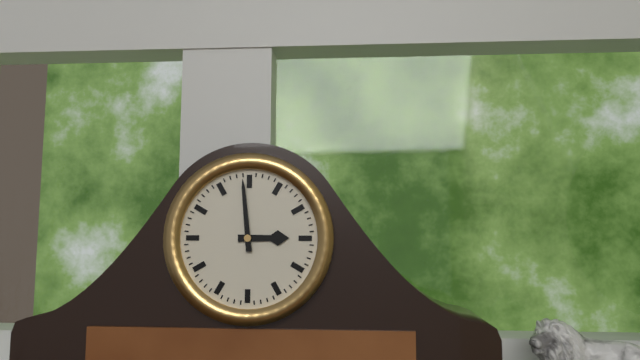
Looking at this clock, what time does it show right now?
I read 2:59
